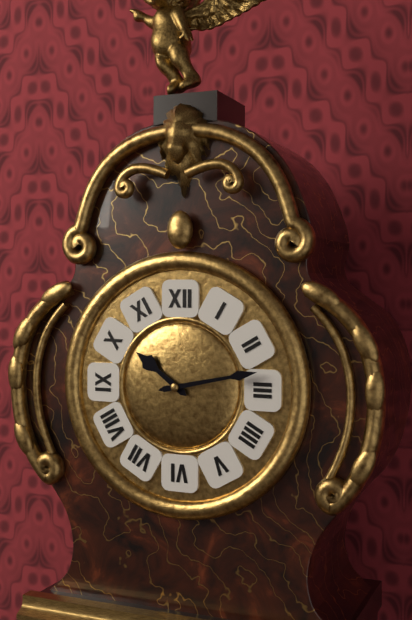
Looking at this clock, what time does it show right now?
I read 10:13
